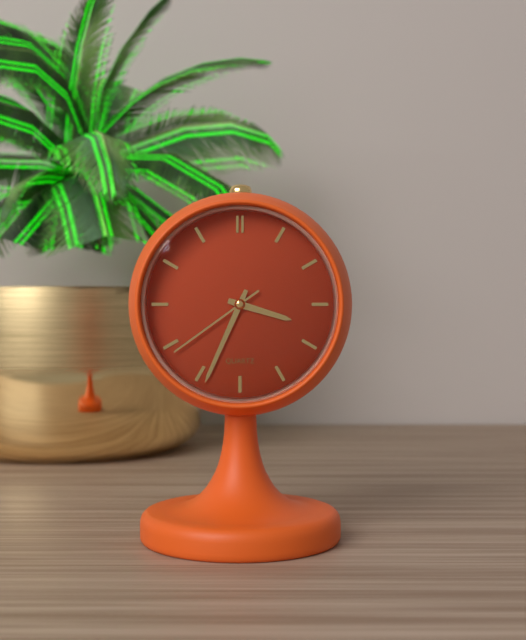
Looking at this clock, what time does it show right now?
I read 3:34:39
